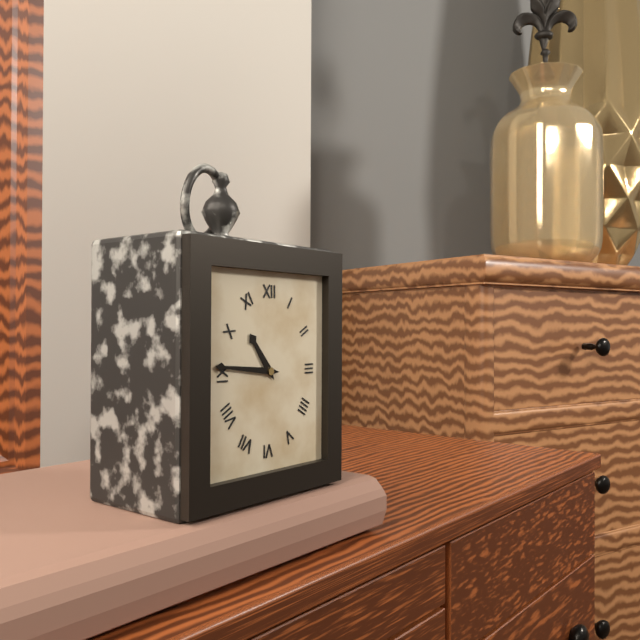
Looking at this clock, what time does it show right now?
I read 10:46
